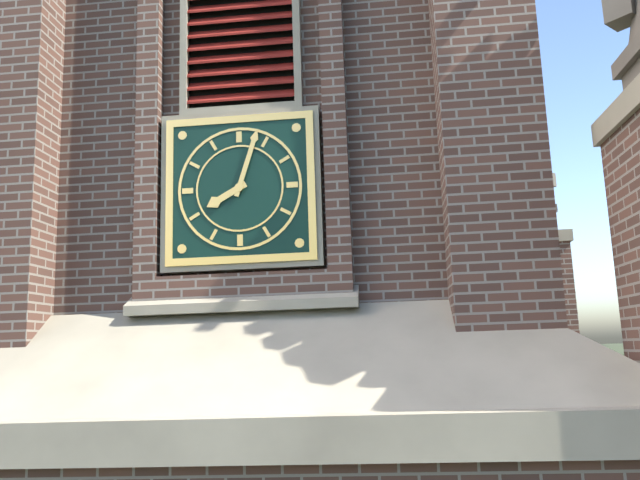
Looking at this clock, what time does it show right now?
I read 8:03
